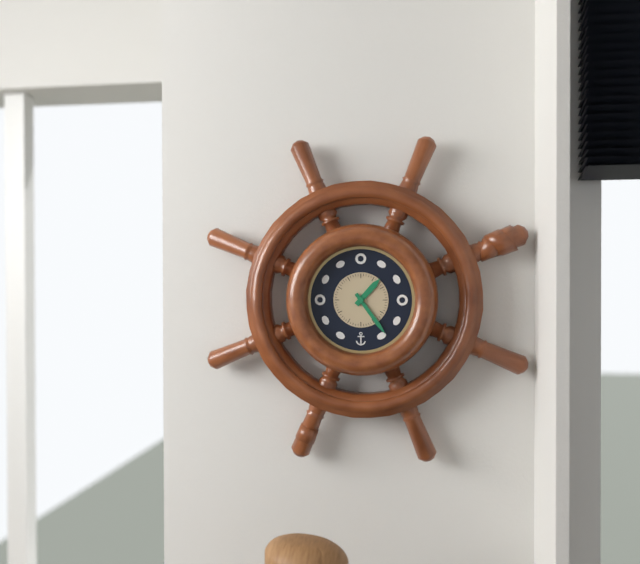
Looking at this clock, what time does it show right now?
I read 1:24
